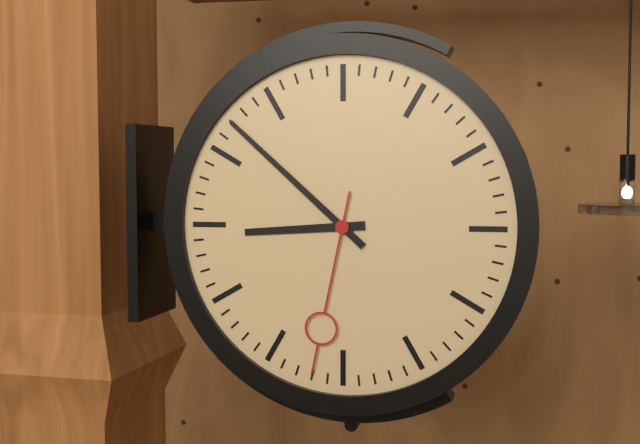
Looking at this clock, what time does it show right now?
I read 8:52:32
